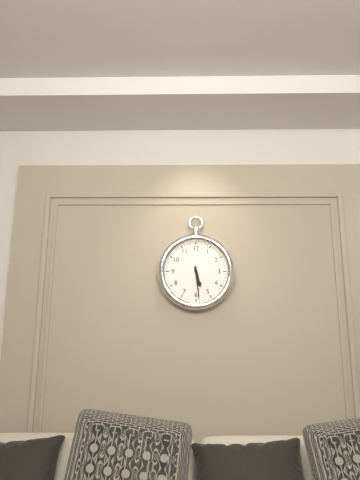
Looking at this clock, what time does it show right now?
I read 5:29
